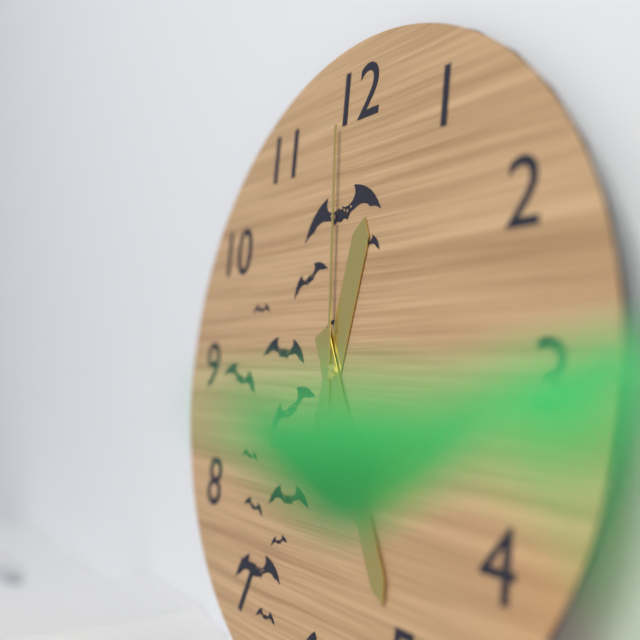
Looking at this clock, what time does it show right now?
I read 12:25:59
